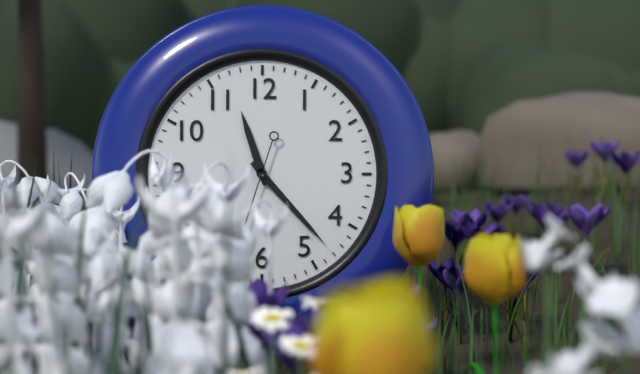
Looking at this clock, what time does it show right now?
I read 11:23
